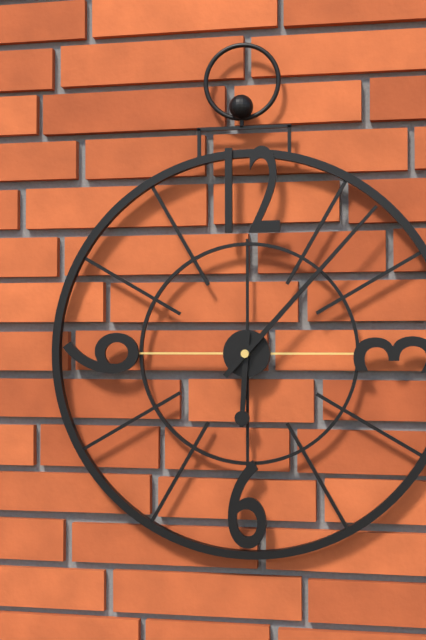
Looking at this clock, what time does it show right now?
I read 6:07
